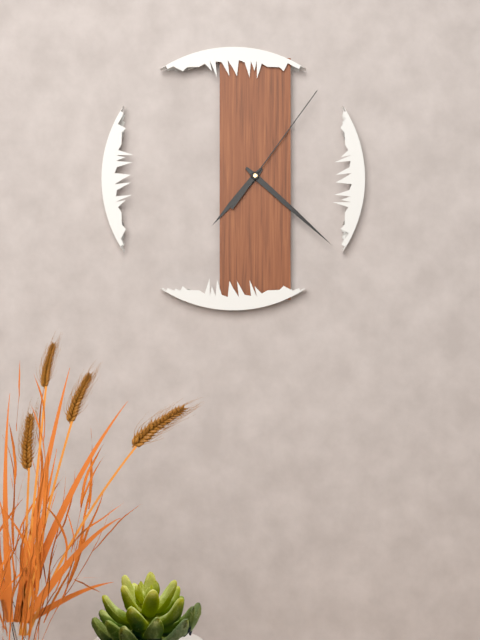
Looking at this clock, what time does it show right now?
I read 7:22:06
